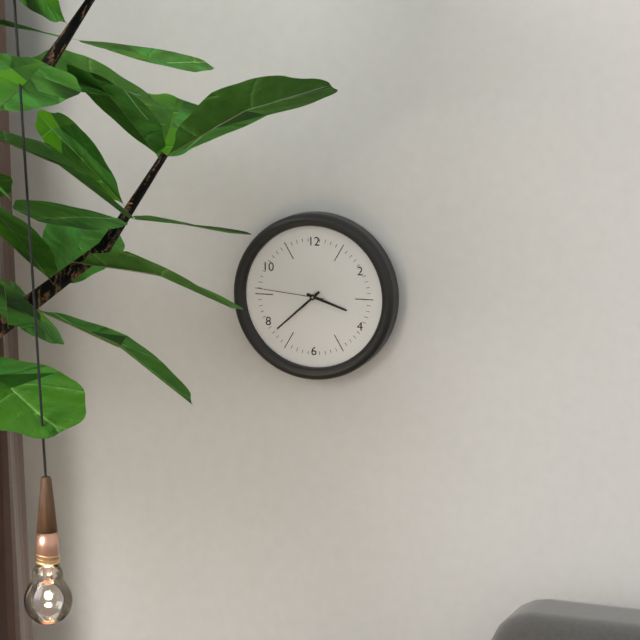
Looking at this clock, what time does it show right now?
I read 3:38:46
